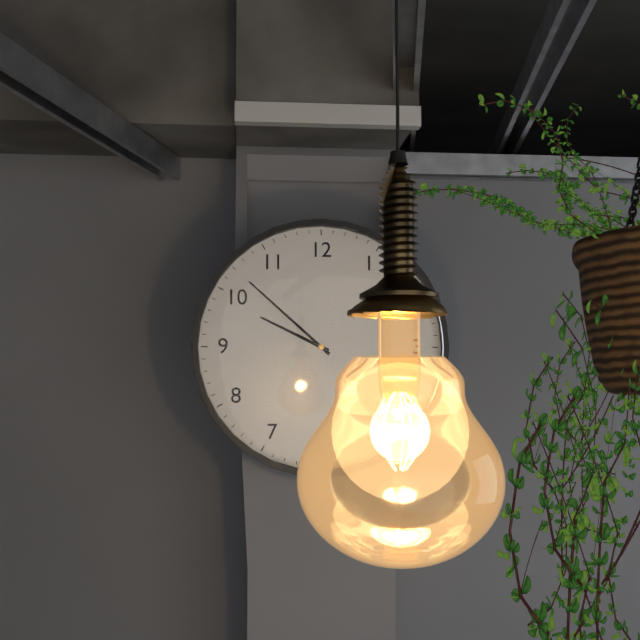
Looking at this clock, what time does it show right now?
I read 9:52
